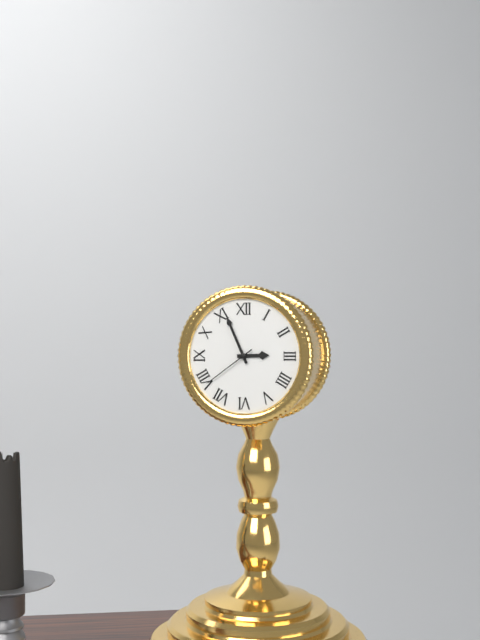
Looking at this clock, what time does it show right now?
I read 2:56:39
